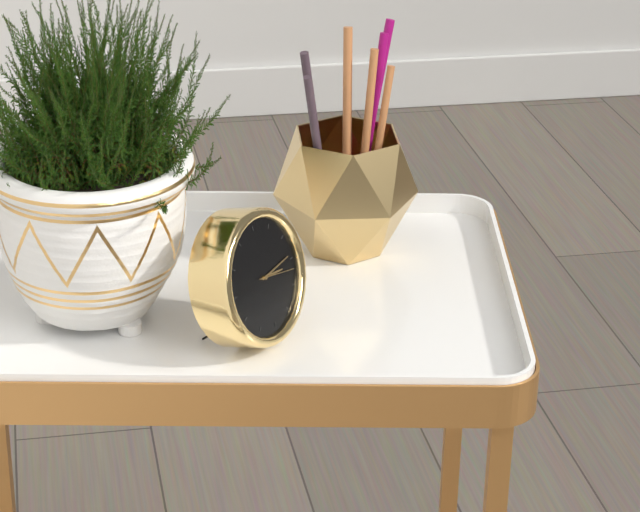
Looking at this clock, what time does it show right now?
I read 3:14
